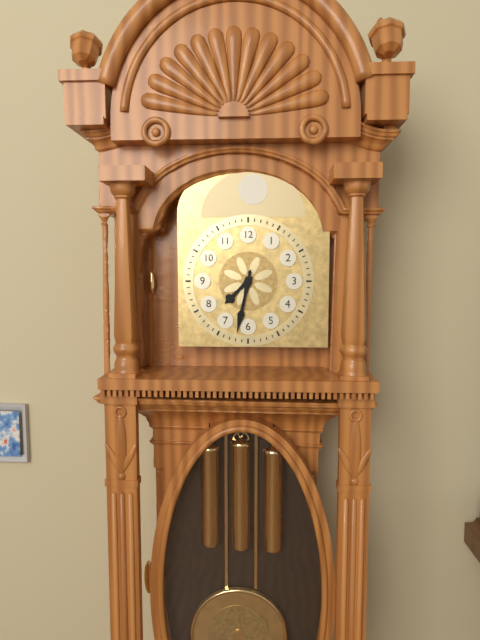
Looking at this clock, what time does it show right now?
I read 7:32
